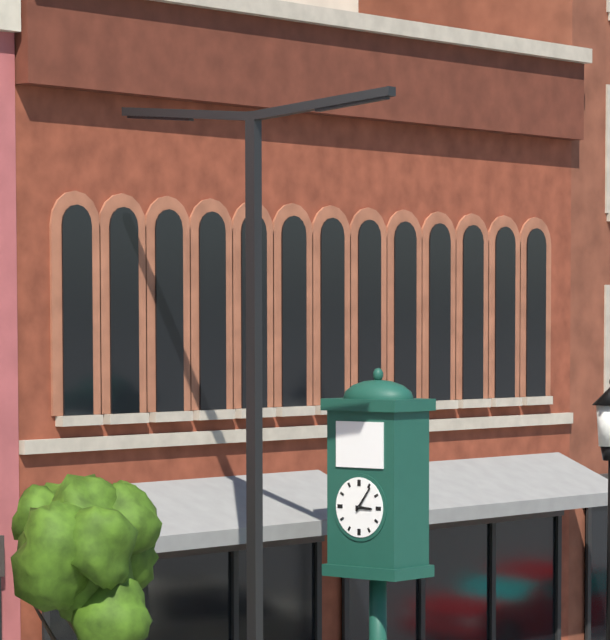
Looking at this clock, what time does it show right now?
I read 3:06
